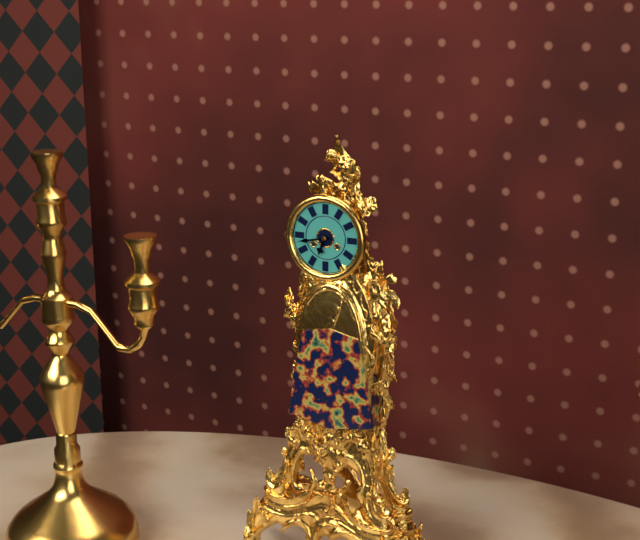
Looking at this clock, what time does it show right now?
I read 6:43
